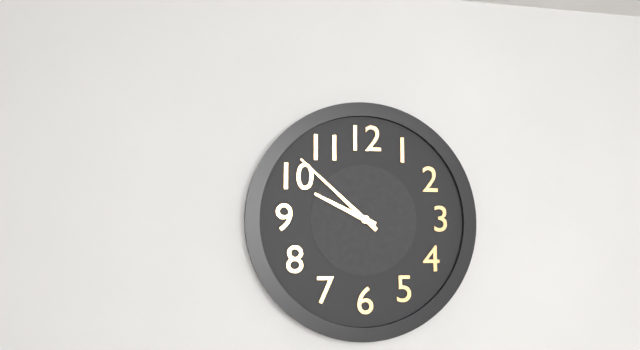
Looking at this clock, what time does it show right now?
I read 9:52
